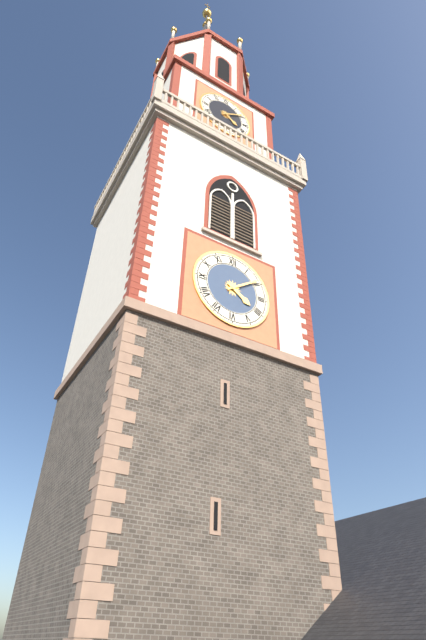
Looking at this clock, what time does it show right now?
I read 4:09
